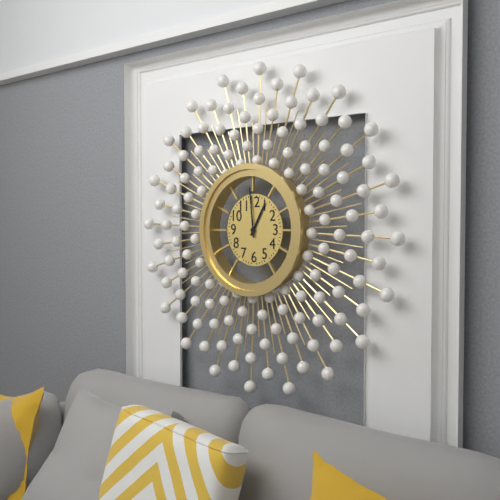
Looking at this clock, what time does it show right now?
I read 12:59
